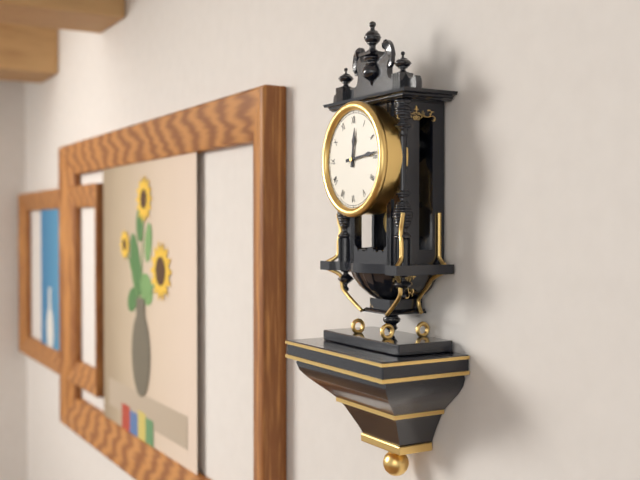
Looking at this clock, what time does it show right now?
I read 12:14
